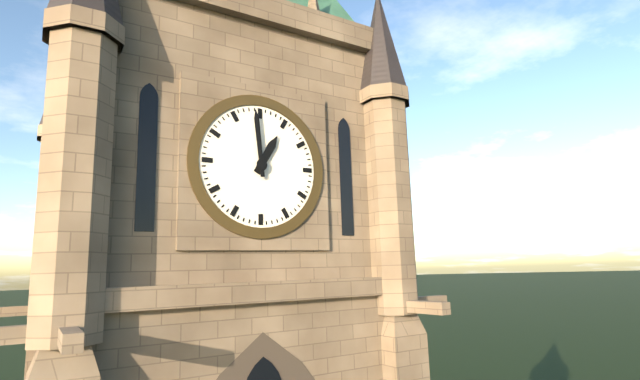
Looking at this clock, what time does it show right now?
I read 12:59
